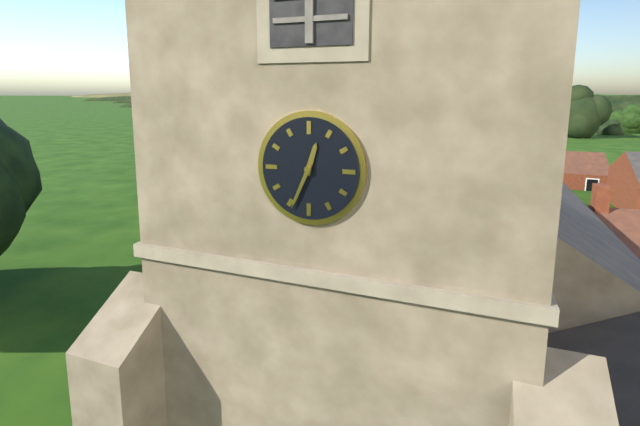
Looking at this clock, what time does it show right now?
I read 12:34
